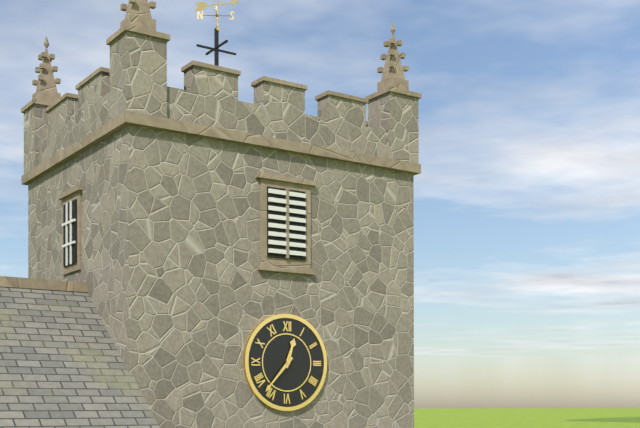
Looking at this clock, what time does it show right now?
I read 12:37
